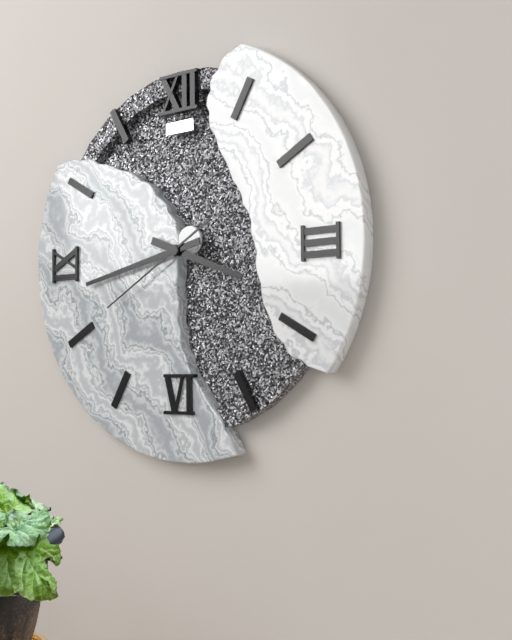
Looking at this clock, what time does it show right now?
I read 3:43:40
